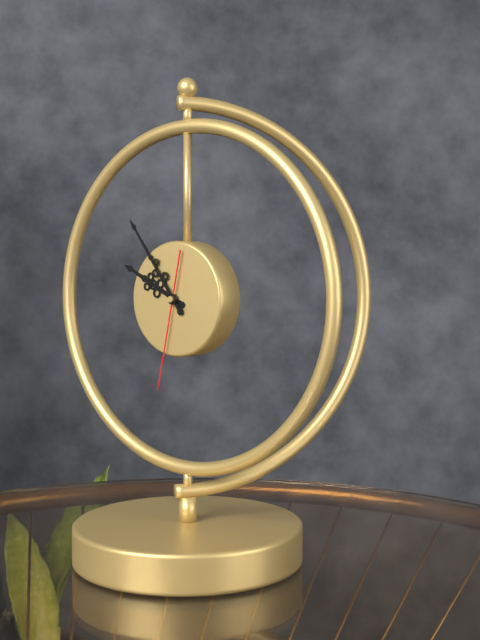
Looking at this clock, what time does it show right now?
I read 9:54:32
